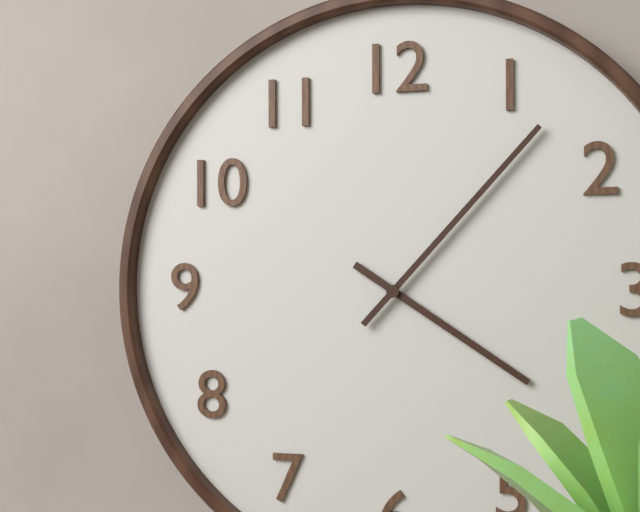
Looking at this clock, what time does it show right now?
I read 4:07
